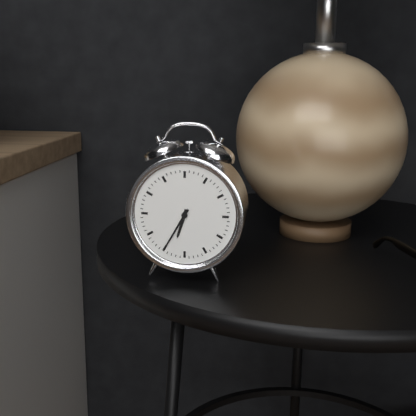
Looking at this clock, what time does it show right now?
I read 6:35
